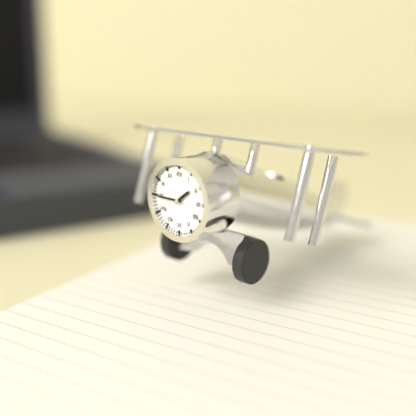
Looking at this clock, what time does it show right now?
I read 1:45
